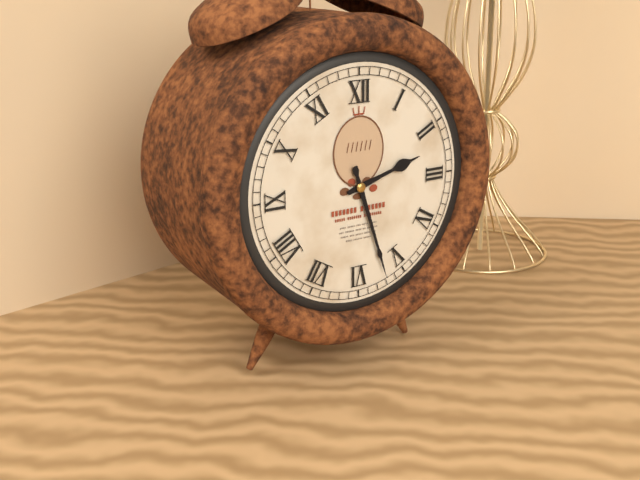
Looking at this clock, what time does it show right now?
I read 2:27
